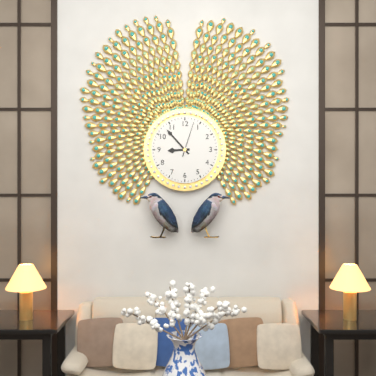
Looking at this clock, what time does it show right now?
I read 8:53
